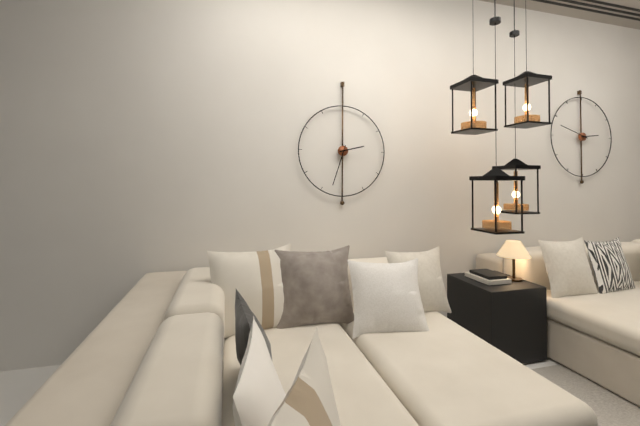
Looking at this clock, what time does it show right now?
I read 2:33
